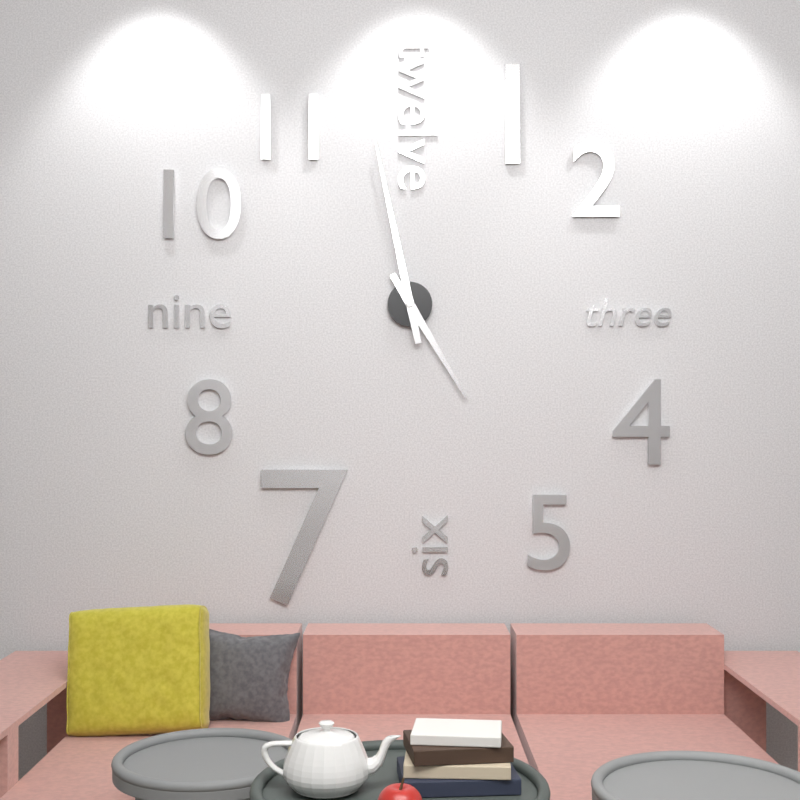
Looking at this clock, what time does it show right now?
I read 4:58
